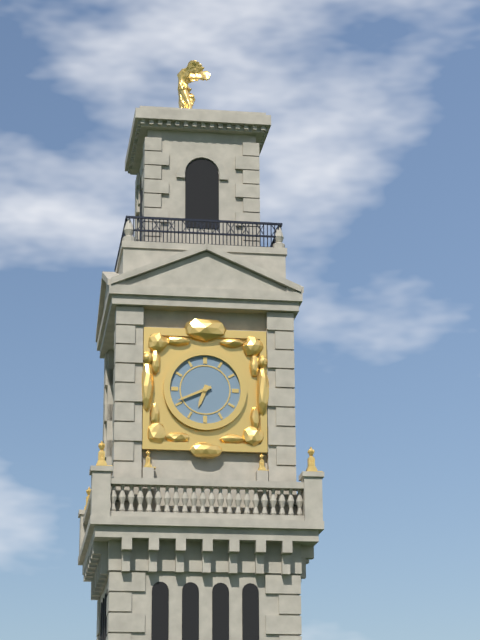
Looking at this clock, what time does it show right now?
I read 6:41
